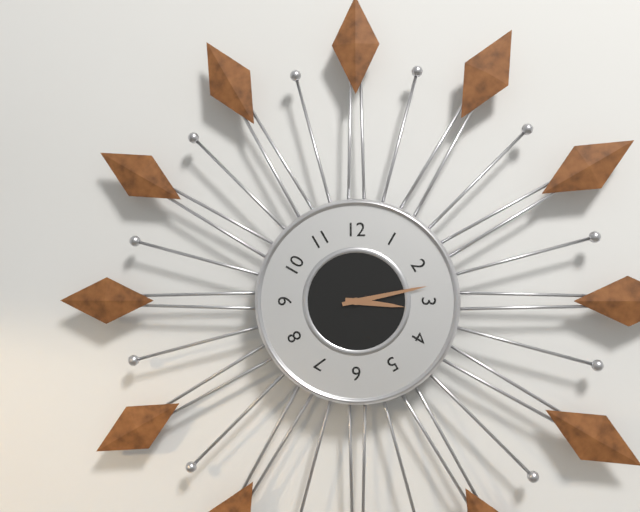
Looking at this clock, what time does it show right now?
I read 3:13
